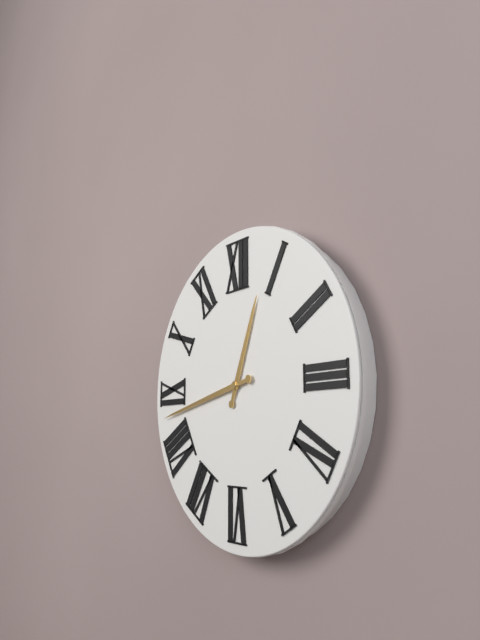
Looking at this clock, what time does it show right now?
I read 12:43
